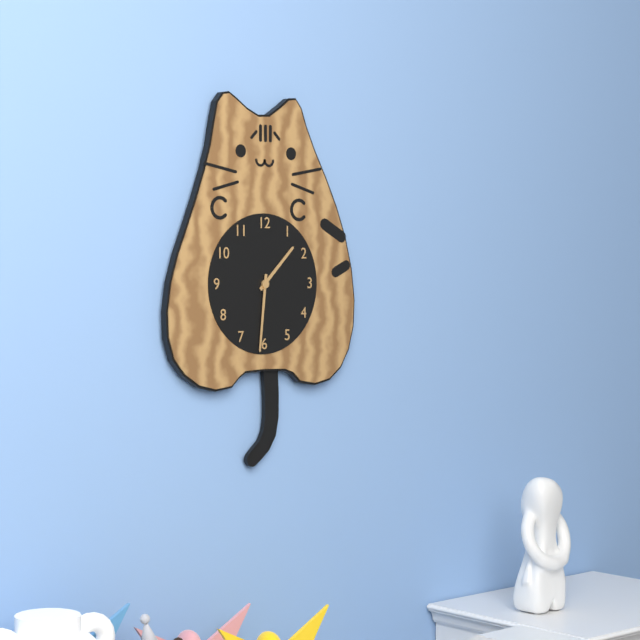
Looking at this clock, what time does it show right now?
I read 1:31
